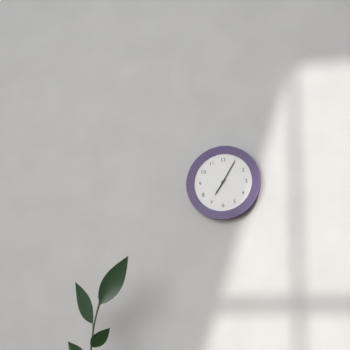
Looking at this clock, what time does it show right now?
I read 7:05
